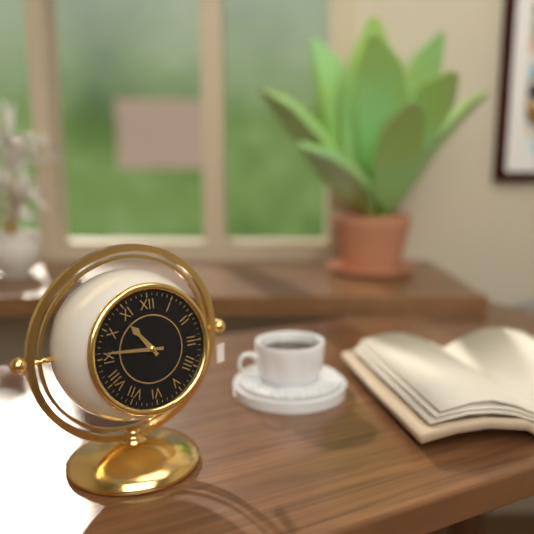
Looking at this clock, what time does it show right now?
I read 10:46
